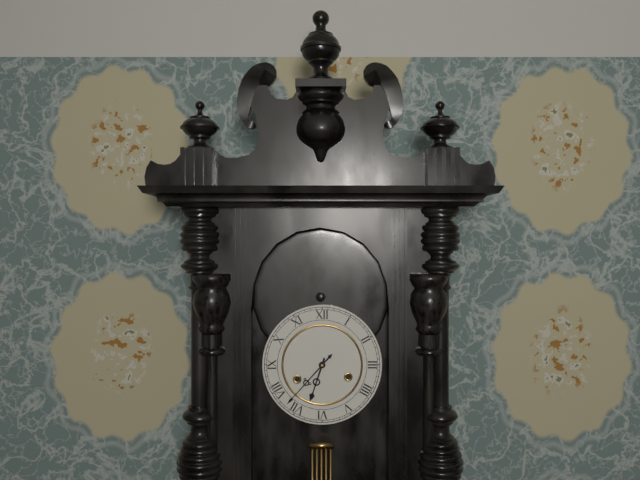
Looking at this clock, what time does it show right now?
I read 6:37
